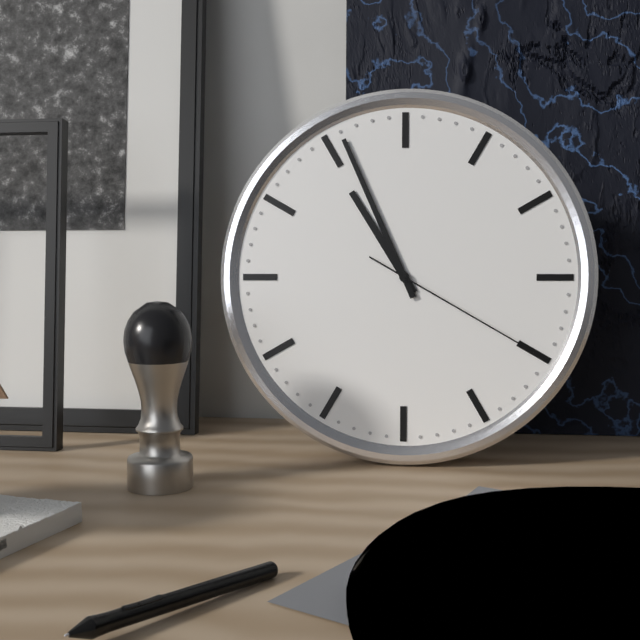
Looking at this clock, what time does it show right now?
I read 10:56:20
